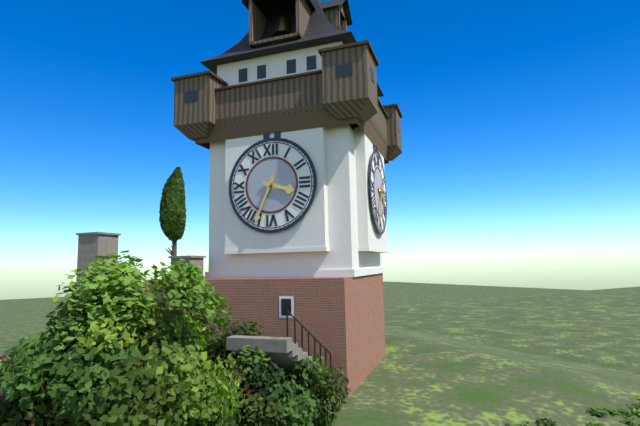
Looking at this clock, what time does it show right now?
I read 3:34
